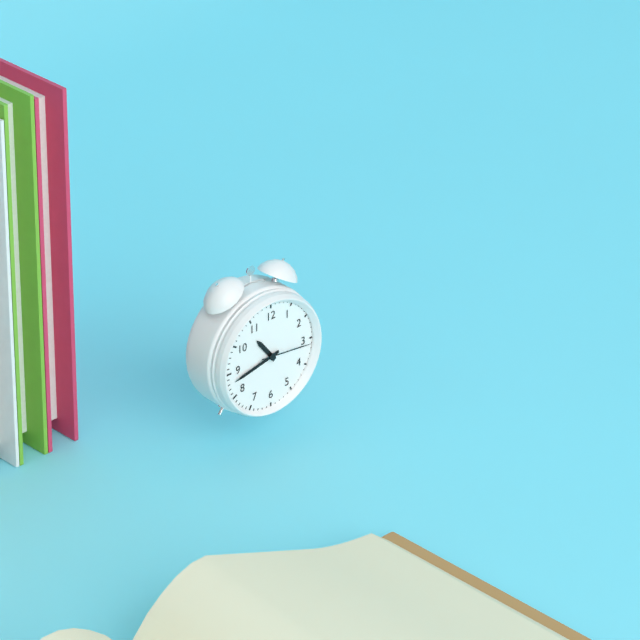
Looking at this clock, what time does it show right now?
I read 10:43:16
